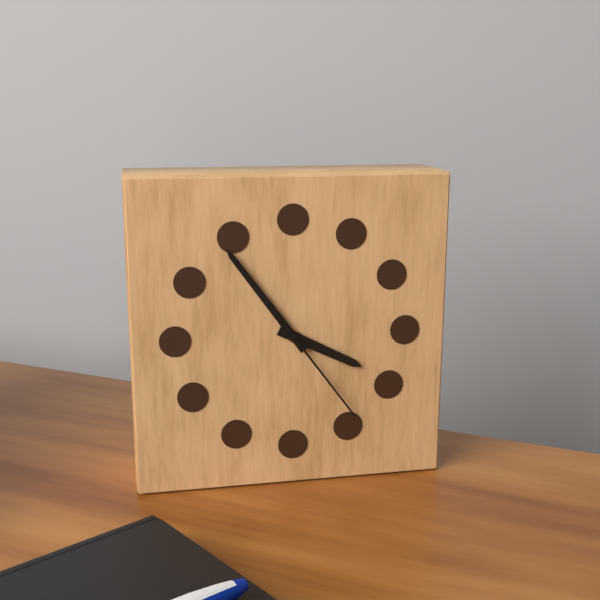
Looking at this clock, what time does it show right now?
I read 3:54:24
